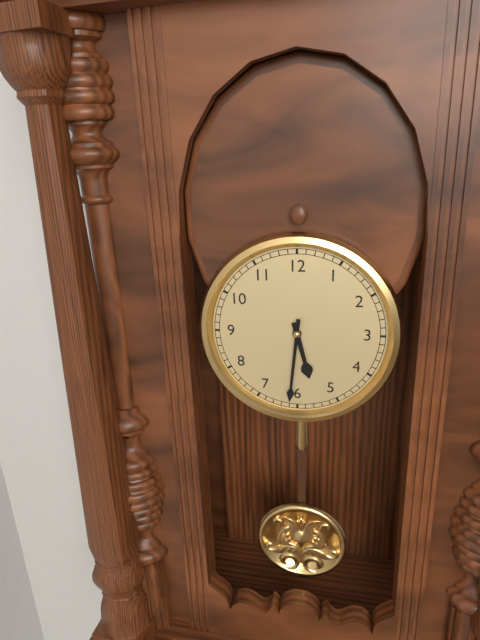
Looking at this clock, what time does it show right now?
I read 5:31
